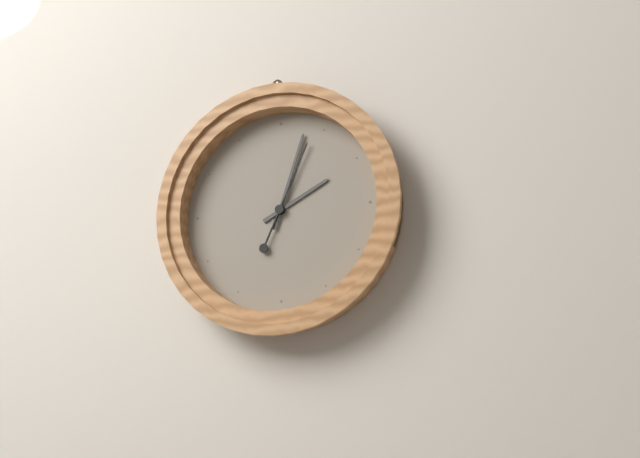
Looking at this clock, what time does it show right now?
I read 2:03:04
